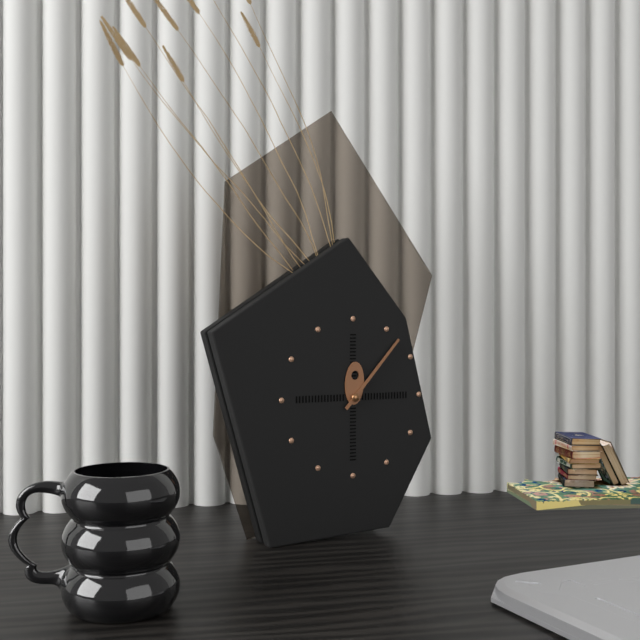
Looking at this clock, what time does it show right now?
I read 12:07
